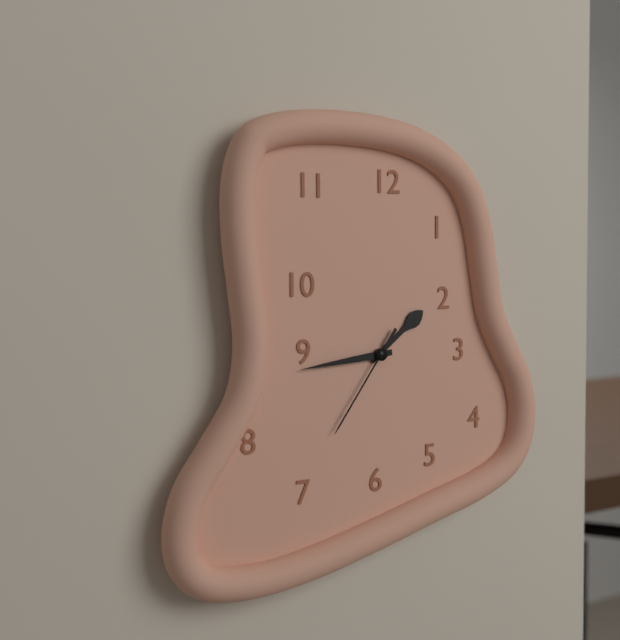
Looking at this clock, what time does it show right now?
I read 1:44:36
